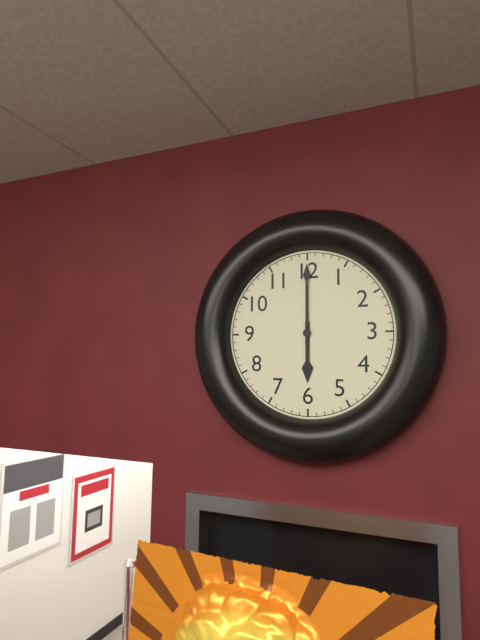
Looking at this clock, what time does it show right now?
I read 6:00
